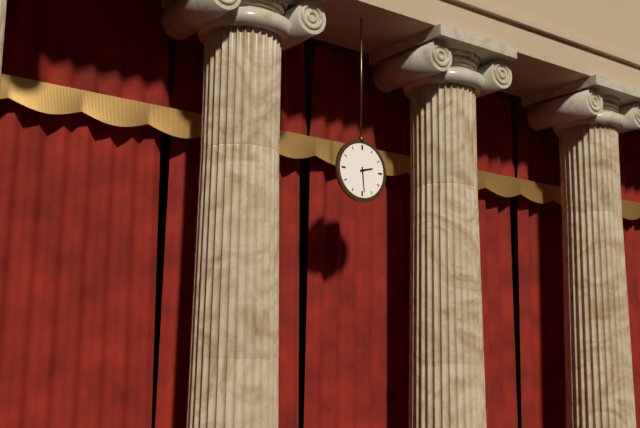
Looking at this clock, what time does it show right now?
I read 2:29
